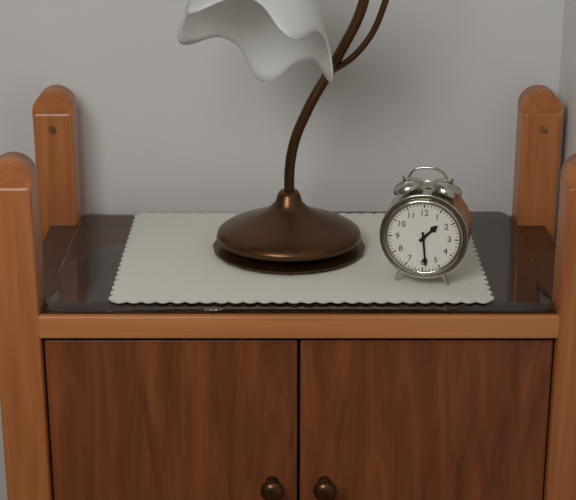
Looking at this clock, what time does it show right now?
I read 1:29
